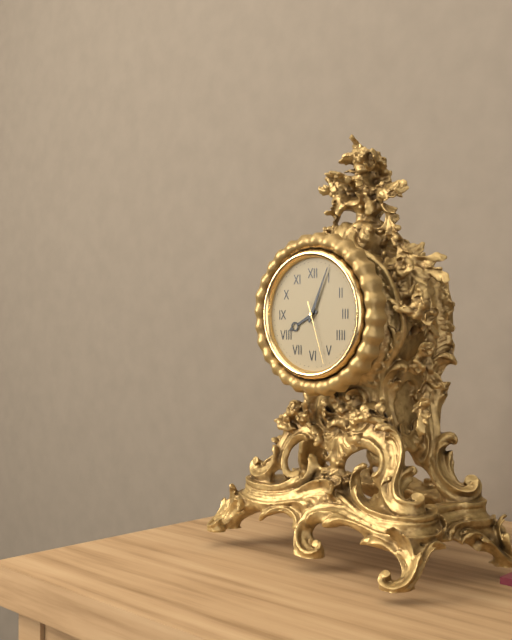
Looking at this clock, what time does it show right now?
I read 8:04:27
